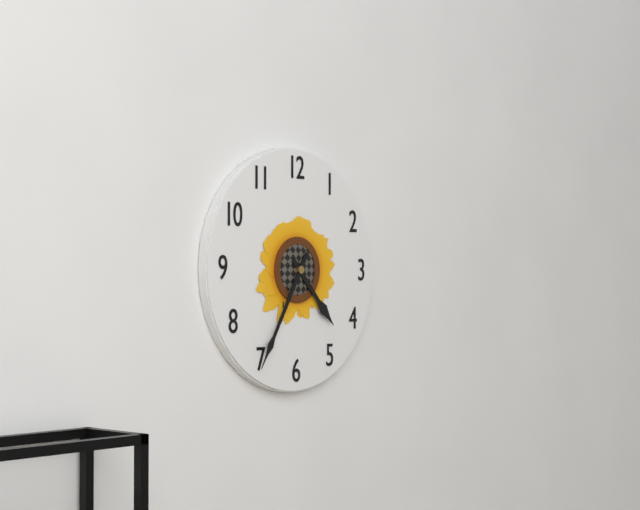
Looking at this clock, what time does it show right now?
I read 4:35
